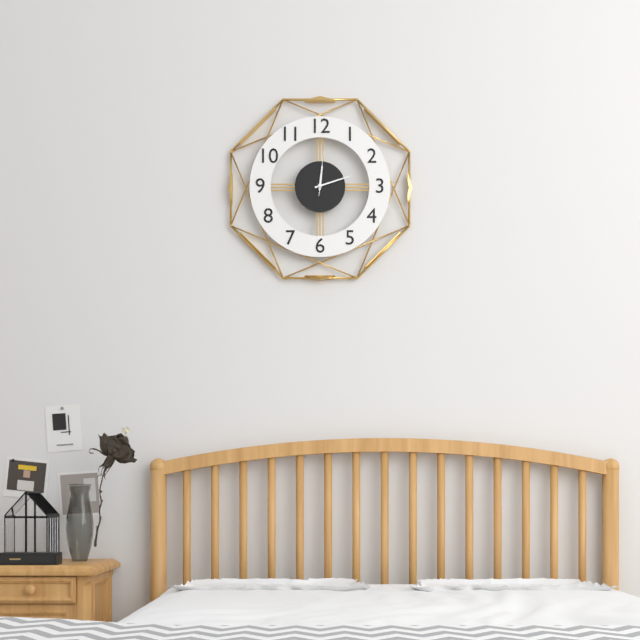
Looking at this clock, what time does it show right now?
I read 12:12:01
